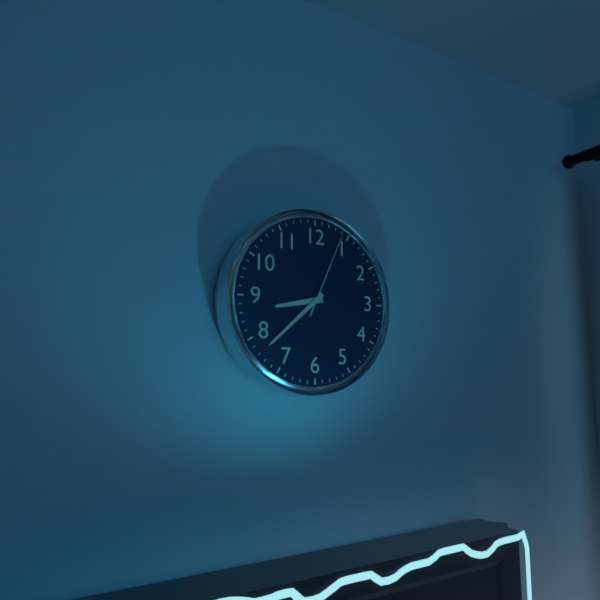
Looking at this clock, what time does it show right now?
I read 8:38:04
